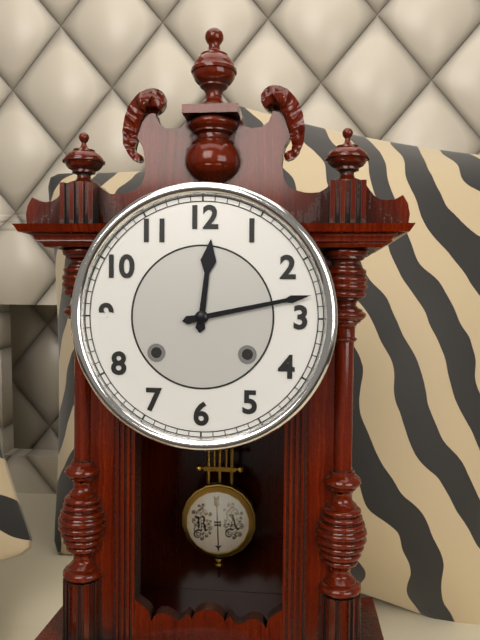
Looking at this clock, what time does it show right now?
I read 12:13
